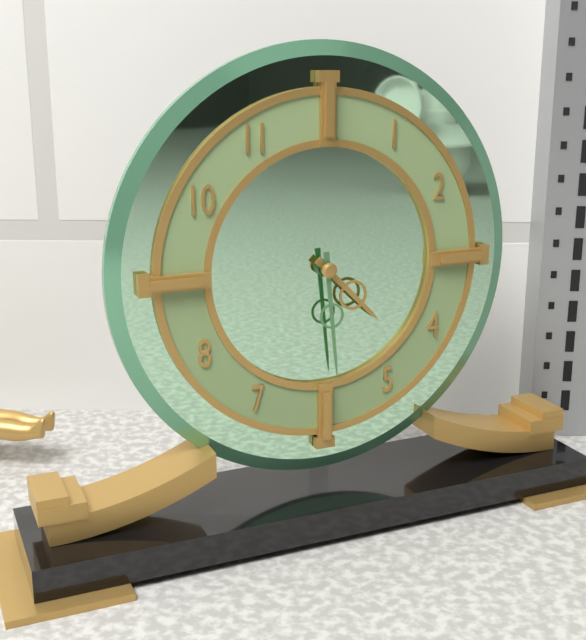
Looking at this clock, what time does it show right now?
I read 4:29
